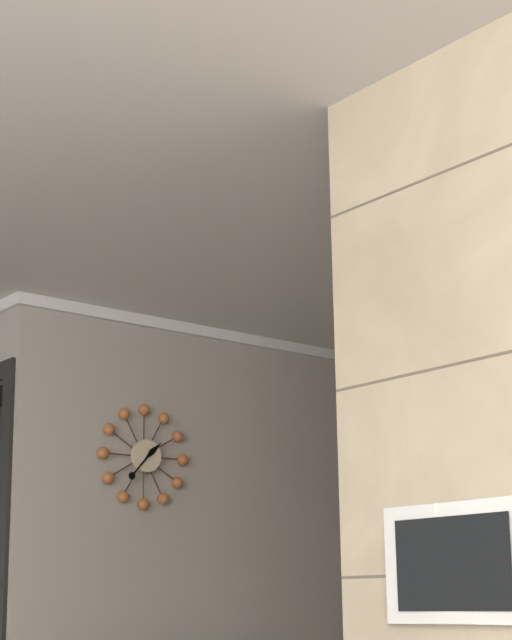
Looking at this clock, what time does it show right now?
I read 1:37
